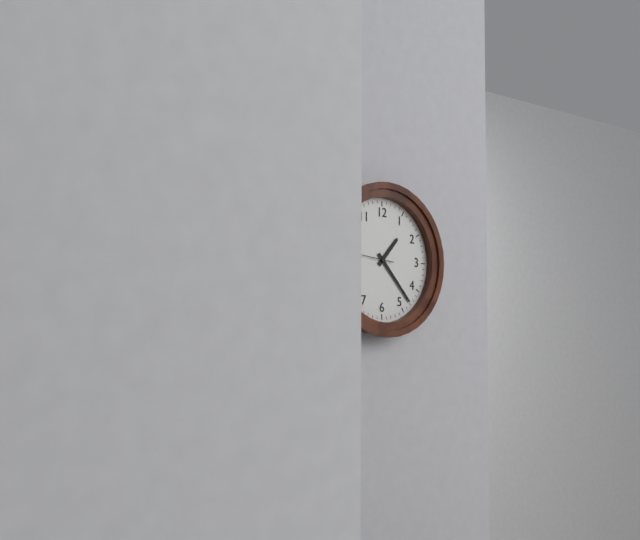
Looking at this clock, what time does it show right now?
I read 1:23
